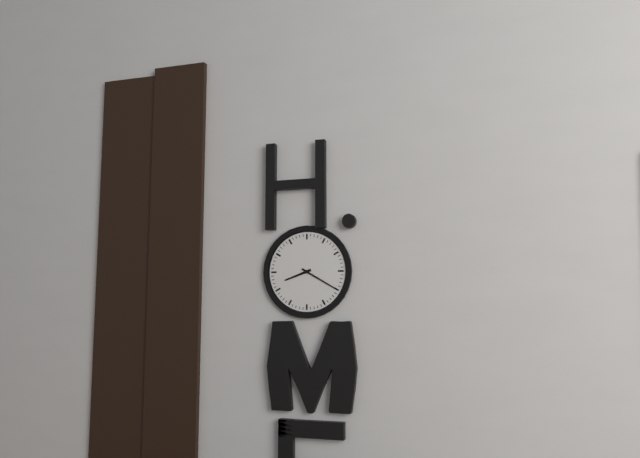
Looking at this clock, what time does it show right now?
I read 8:20
